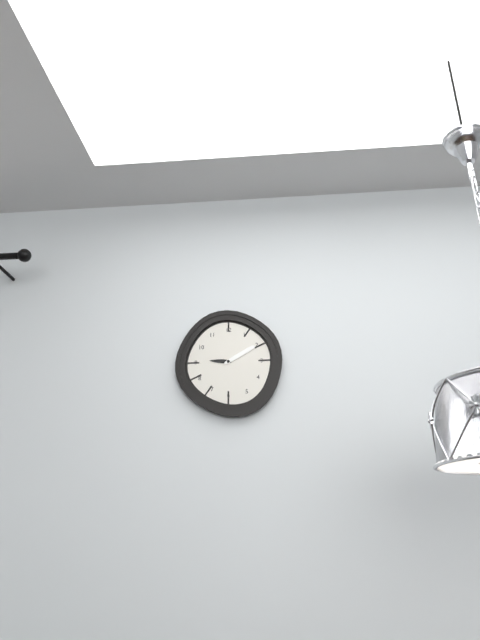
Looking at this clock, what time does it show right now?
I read 9:10
